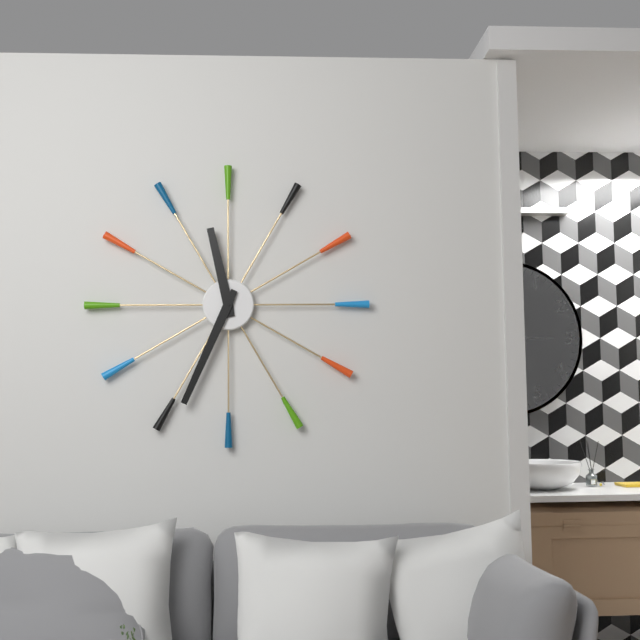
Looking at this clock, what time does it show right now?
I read 11:34
